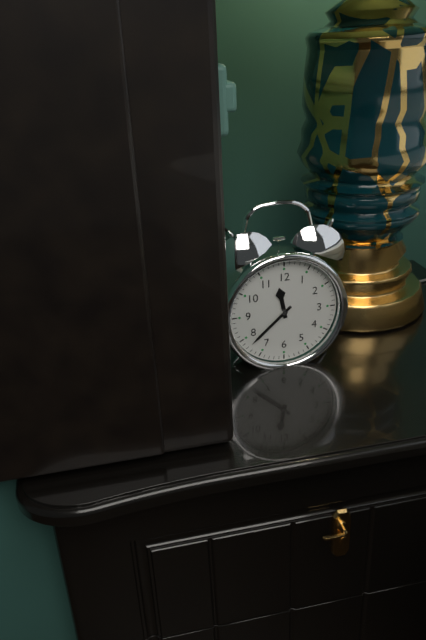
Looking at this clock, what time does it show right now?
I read 11:38
